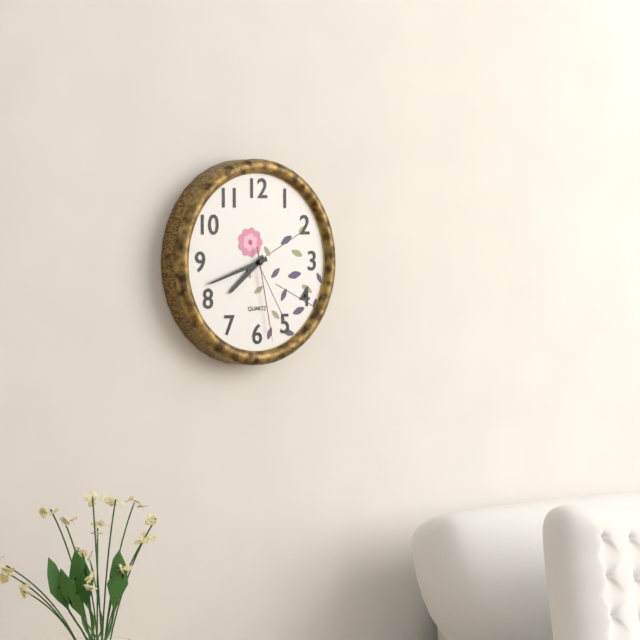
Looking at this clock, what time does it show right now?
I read 7:42:28
